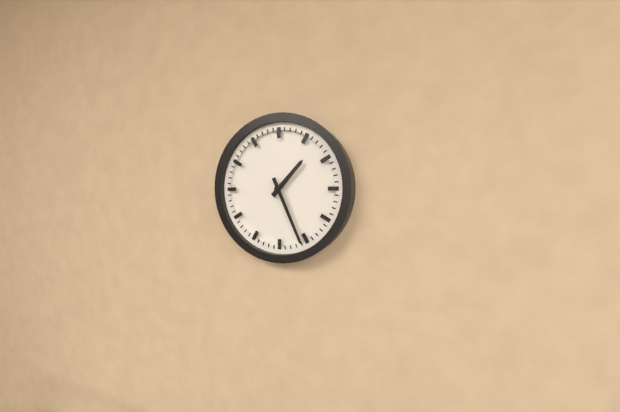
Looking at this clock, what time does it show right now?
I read 1:26
